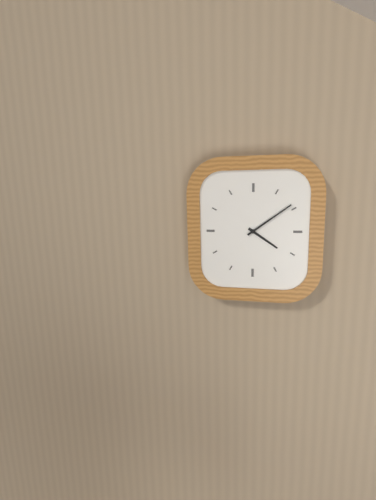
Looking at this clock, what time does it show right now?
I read 4:09
